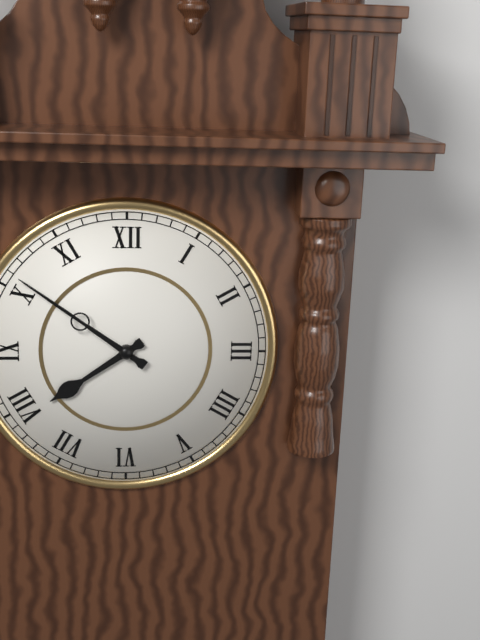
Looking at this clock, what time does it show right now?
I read 7:51
